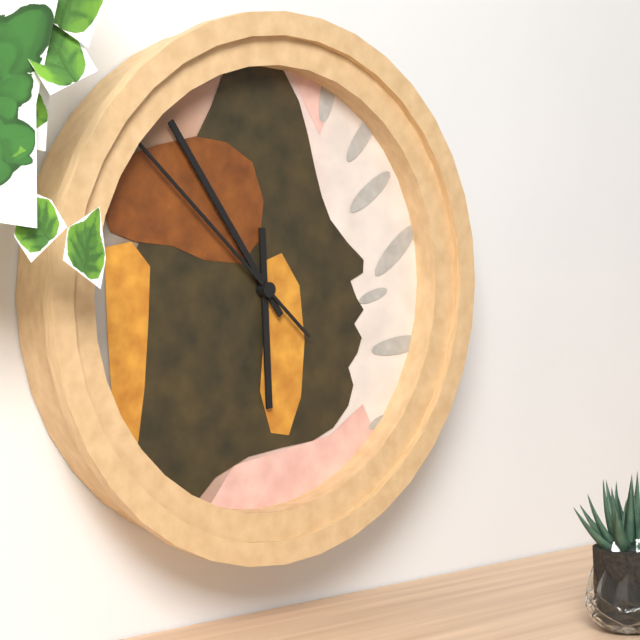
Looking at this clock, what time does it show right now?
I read 5:54:52
